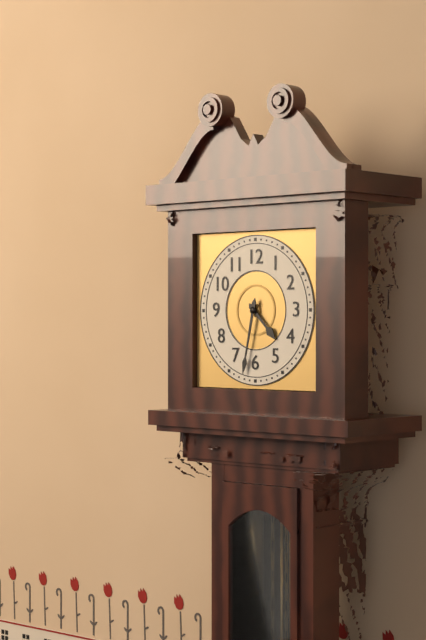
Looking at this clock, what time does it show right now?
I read 4:32
